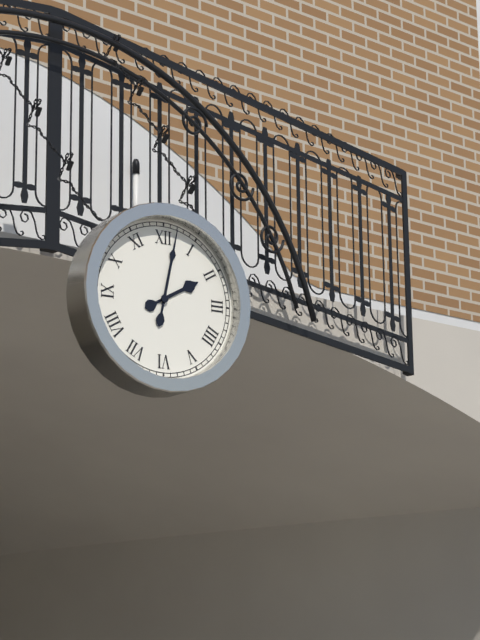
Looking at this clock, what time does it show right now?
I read 2:02
